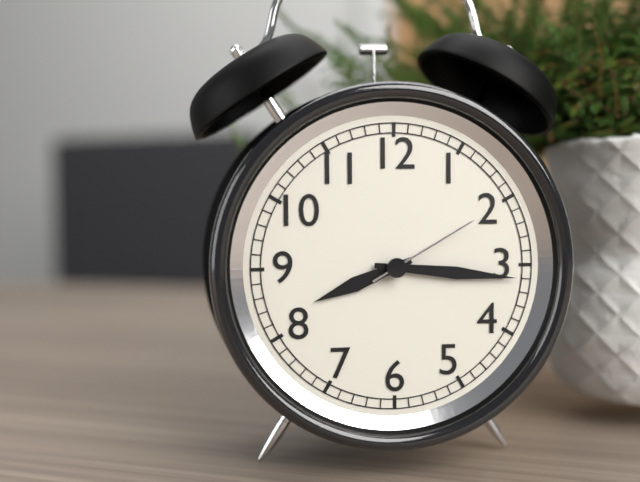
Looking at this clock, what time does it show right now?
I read 8:16:10
